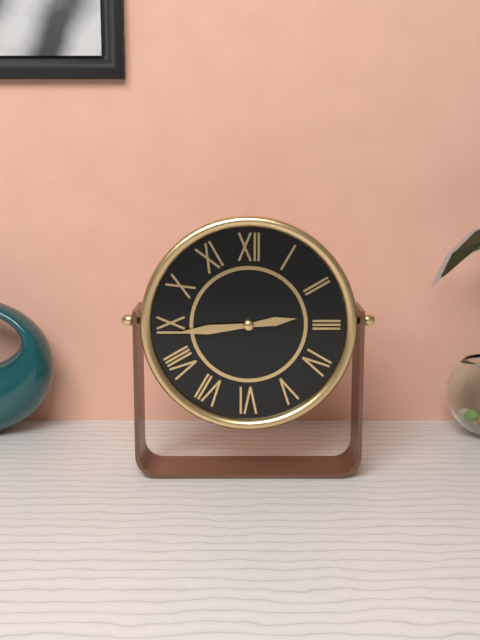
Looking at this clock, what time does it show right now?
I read 2:44
